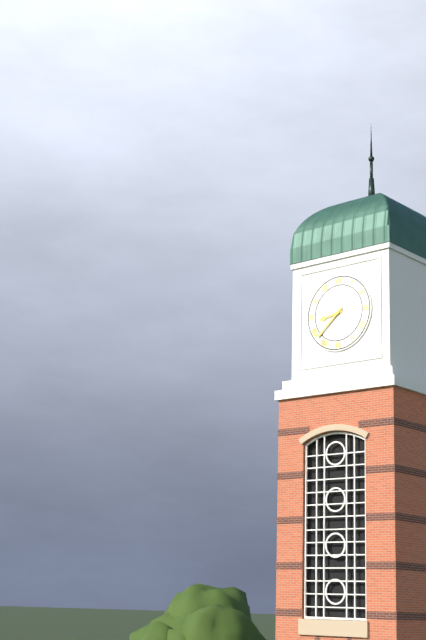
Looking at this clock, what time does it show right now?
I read 8:38
